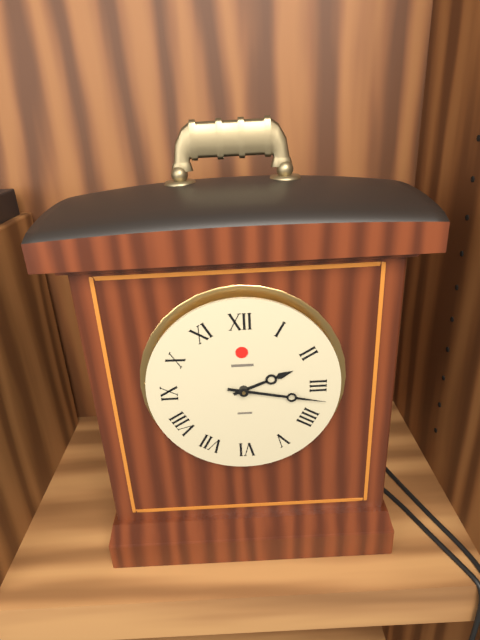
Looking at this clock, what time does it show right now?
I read 2:17
